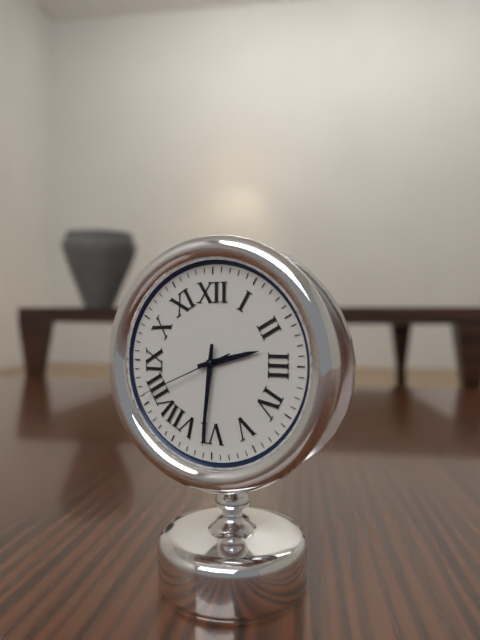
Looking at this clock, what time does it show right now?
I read 2:31:41
